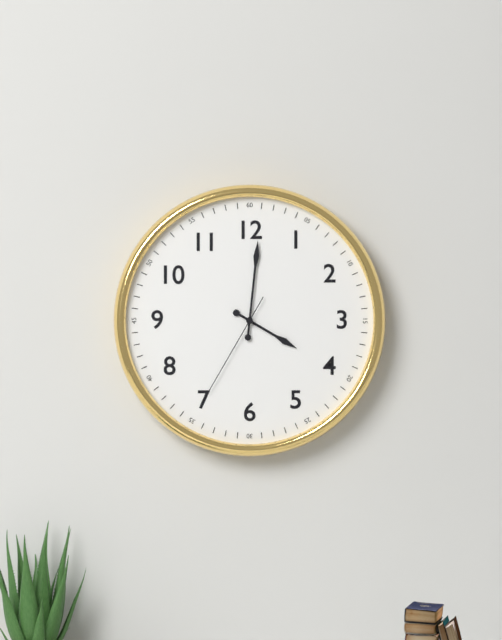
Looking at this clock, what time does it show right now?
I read 4:01:35
